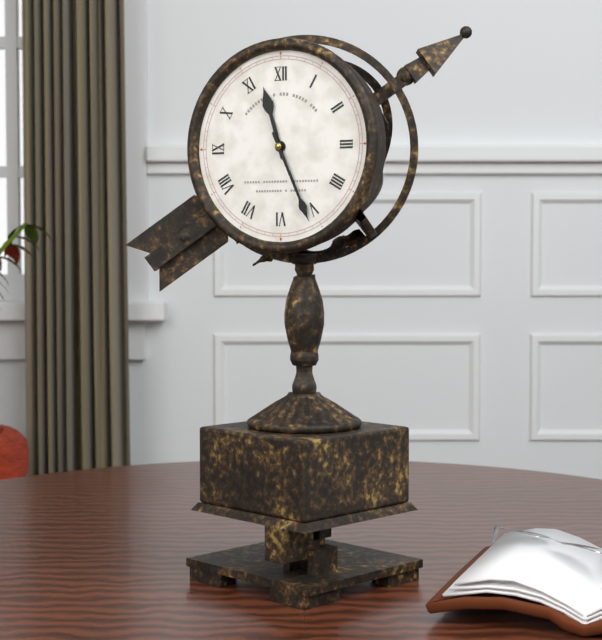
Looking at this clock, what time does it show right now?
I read 11:26
